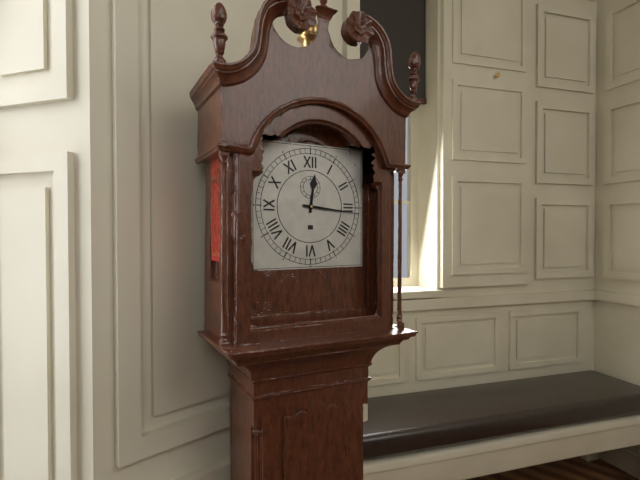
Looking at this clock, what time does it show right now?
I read 12:16
